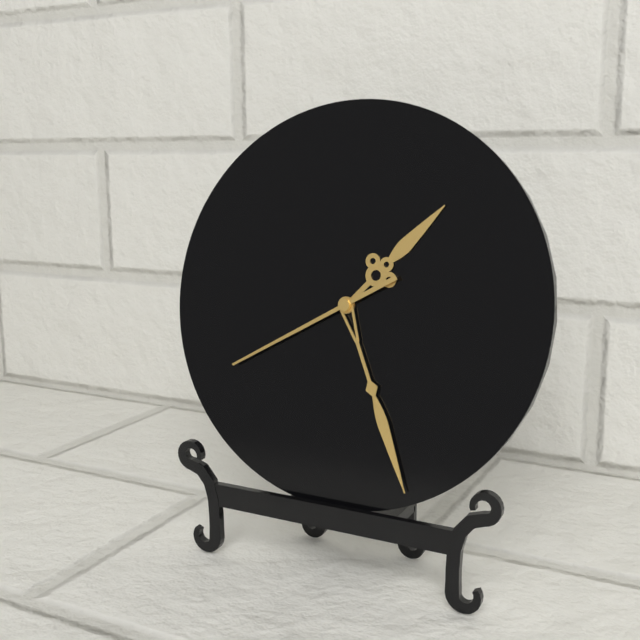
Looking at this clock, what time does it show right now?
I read 1:26:40
